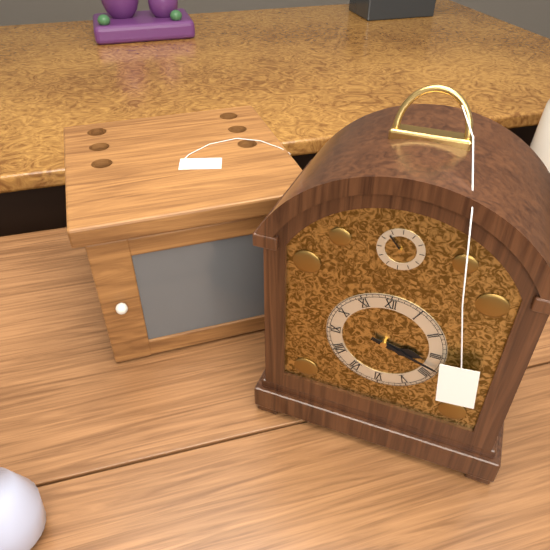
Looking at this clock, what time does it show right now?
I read 3:18
